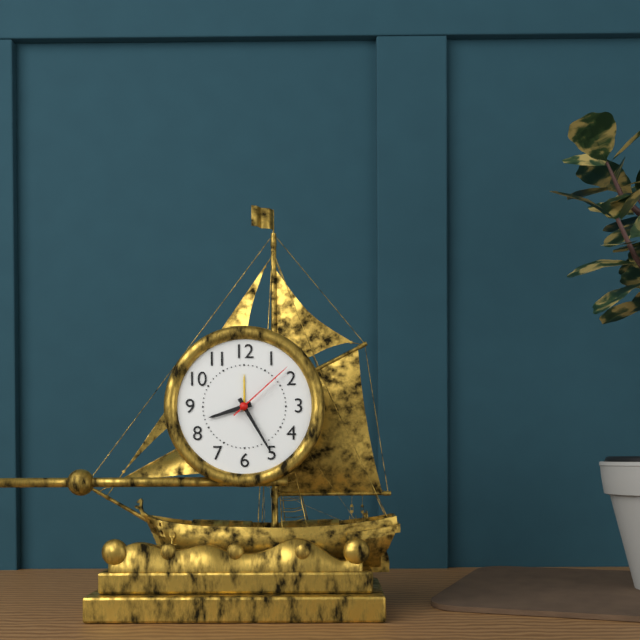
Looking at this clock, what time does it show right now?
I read 8:25:08
